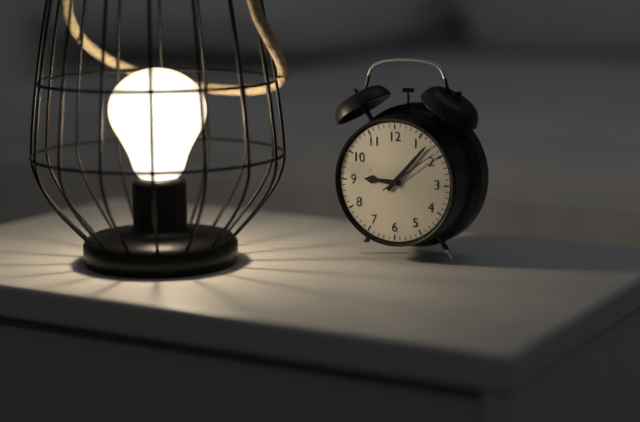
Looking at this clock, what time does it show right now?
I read 9:07:09
